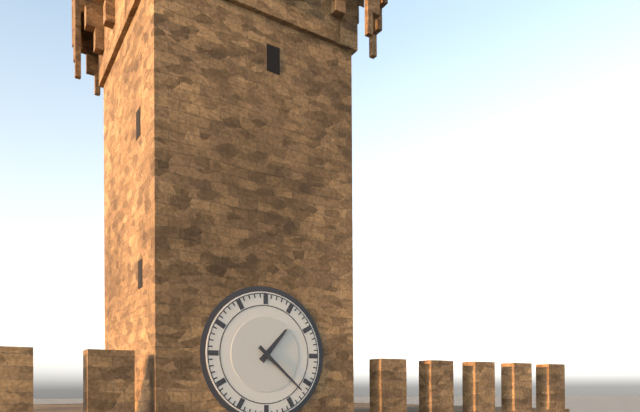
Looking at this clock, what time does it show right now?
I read 1:22
